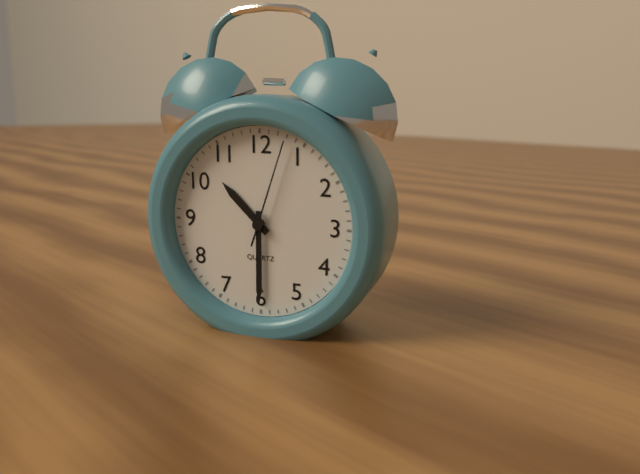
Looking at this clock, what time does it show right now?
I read 10:30:03
